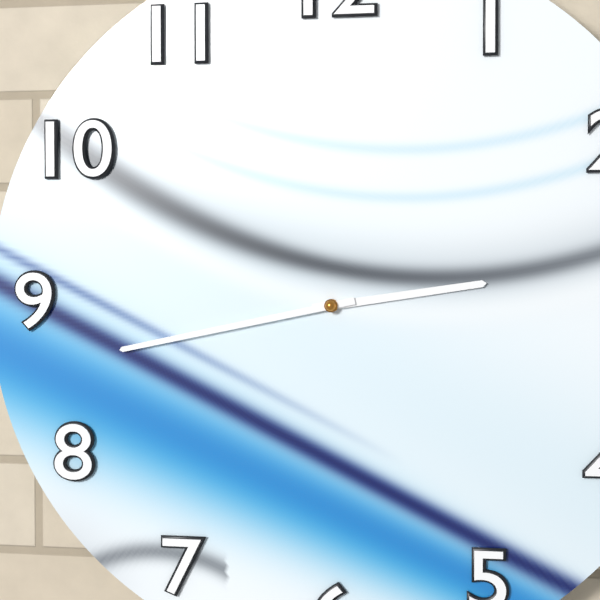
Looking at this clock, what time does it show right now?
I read 2:43
